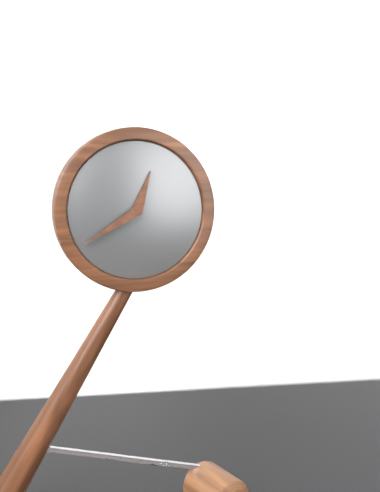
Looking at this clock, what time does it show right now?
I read 12:40
